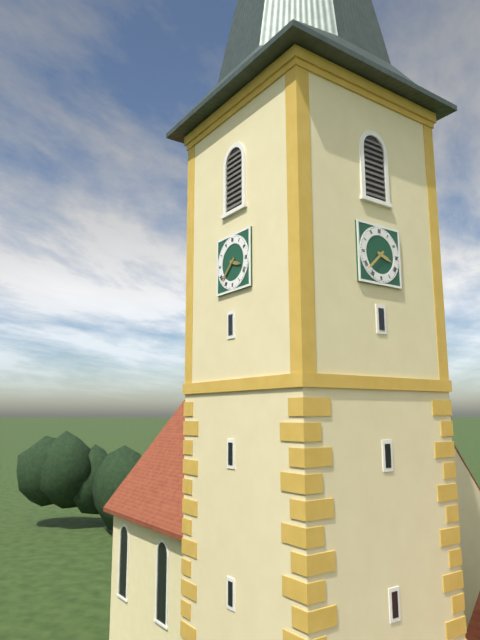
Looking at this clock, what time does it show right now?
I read 3:38
